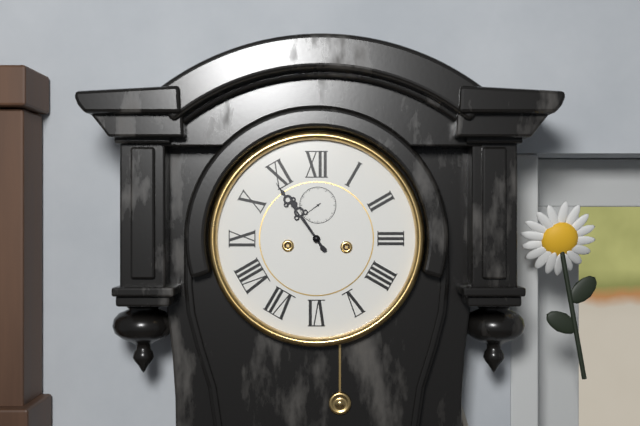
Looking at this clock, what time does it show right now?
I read 10:54
